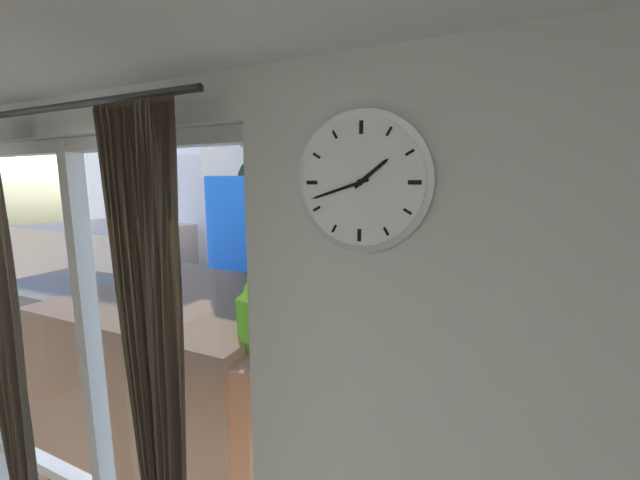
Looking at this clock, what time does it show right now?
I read 1:42
